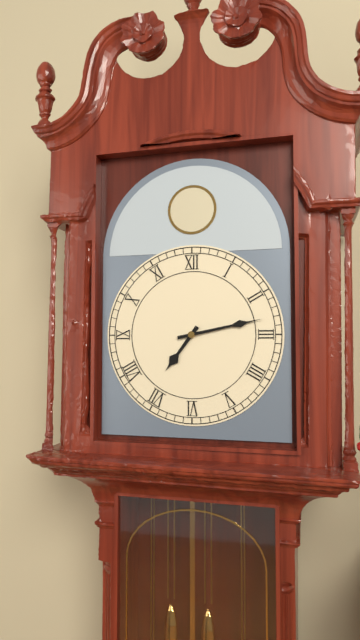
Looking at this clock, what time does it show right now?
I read 7:13
